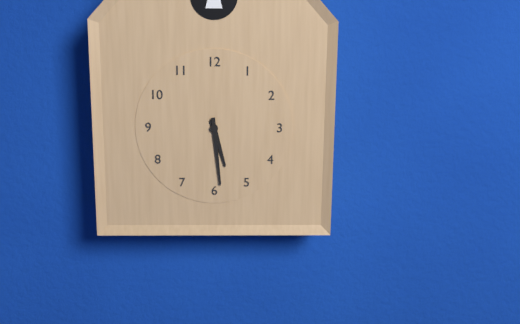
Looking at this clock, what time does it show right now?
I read 5:29
